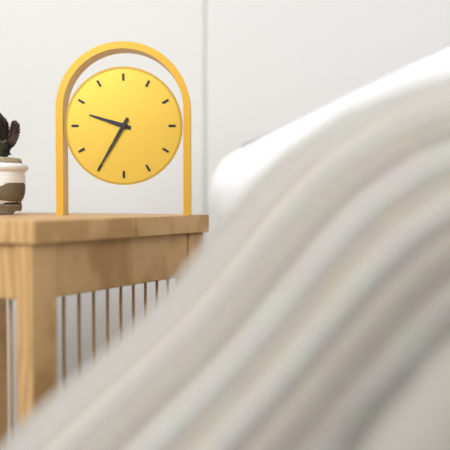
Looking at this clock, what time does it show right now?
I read 9:35
